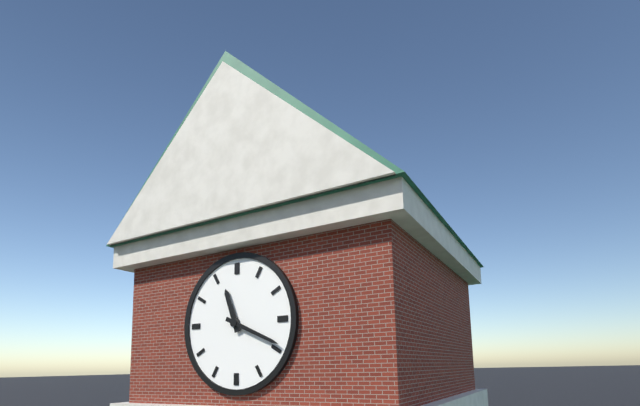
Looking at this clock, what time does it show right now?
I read 11:19
